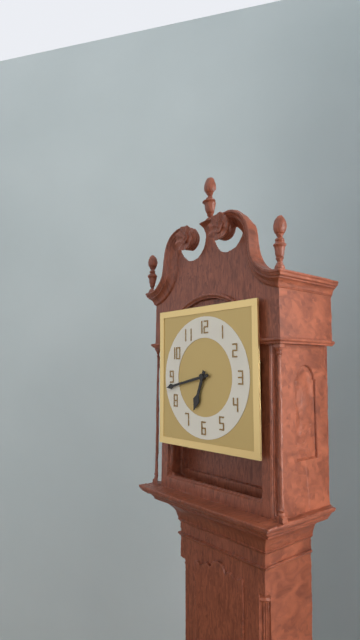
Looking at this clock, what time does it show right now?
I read 6:43
